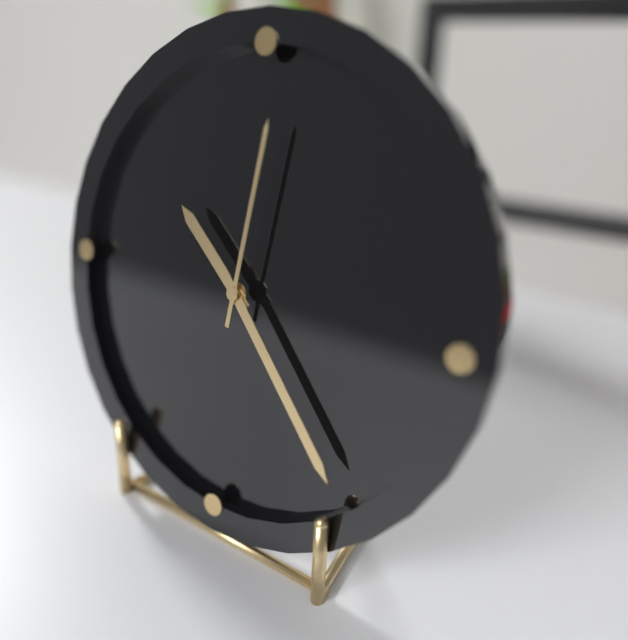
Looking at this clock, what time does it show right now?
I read 10:23:01
